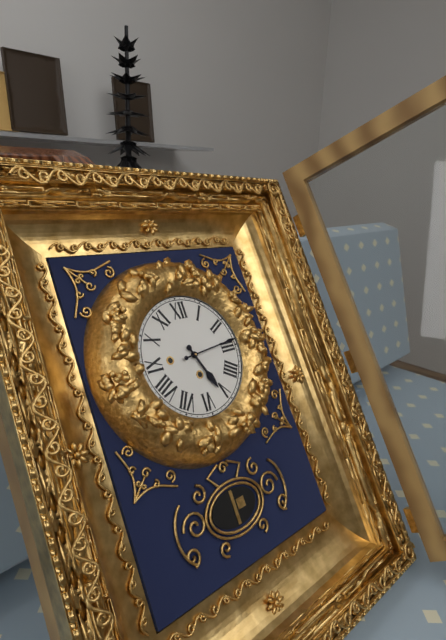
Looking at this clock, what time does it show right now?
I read 5:14
